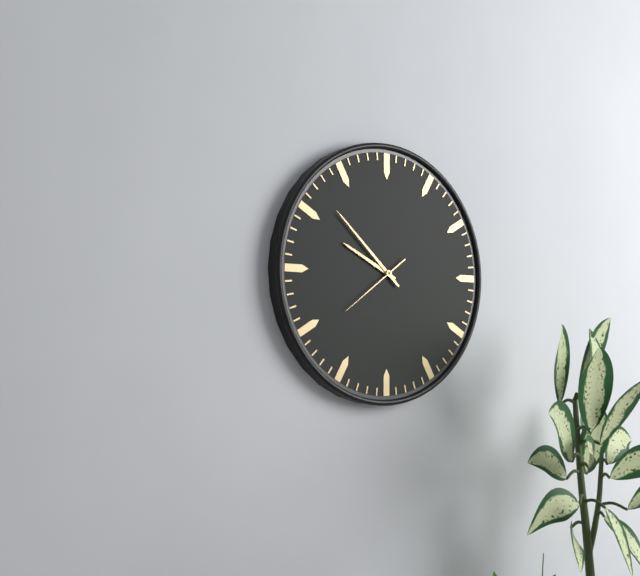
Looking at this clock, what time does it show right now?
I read 9:52:39
